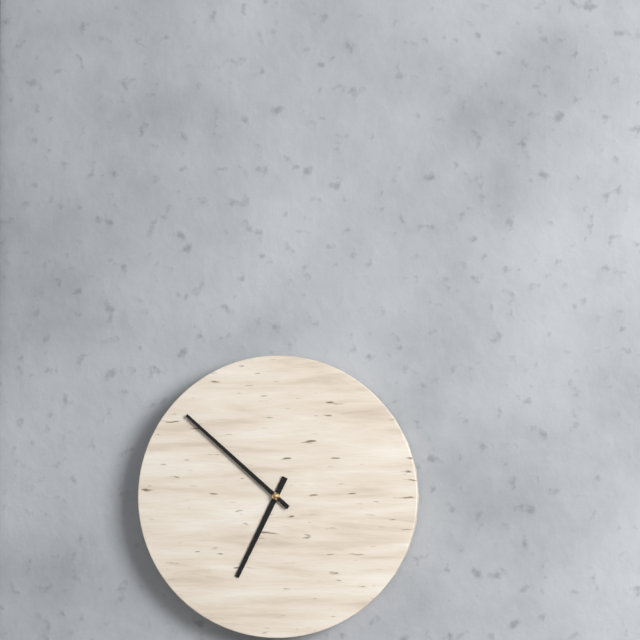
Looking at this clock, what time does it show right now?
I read 6:52
